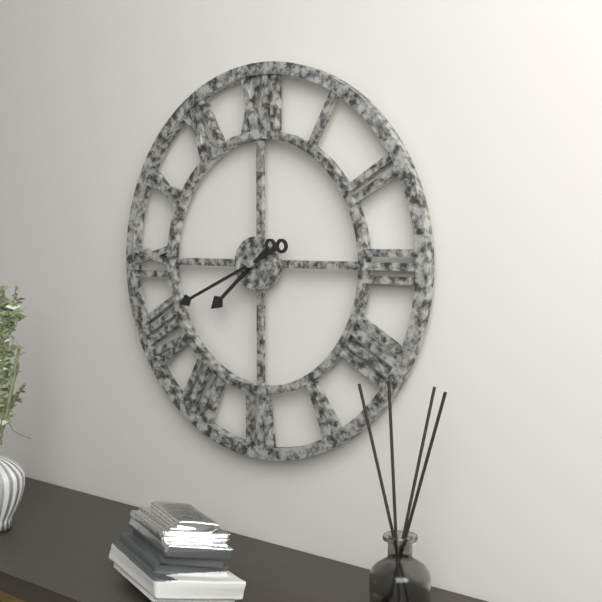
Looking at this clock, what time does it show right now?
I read 7:41
